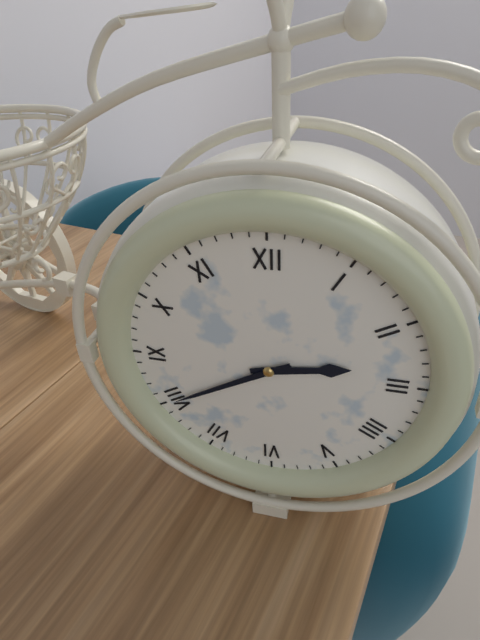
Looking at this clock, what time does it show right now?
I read 2:40
